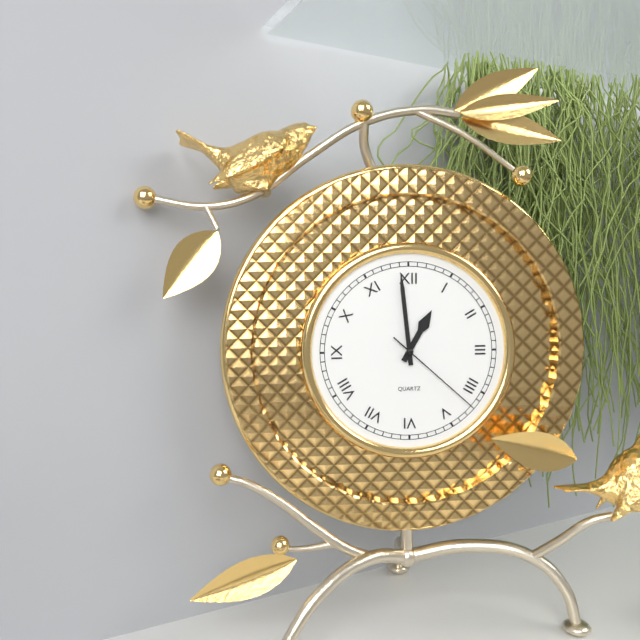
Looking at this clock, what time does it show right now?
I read 12:59:22
